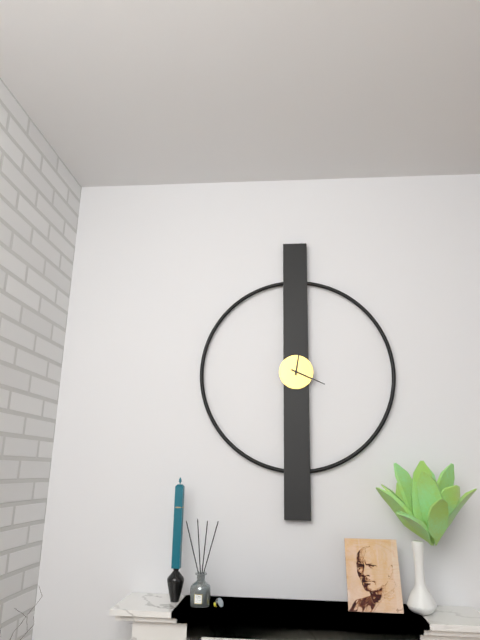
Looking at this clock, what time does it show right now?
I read 12:19
